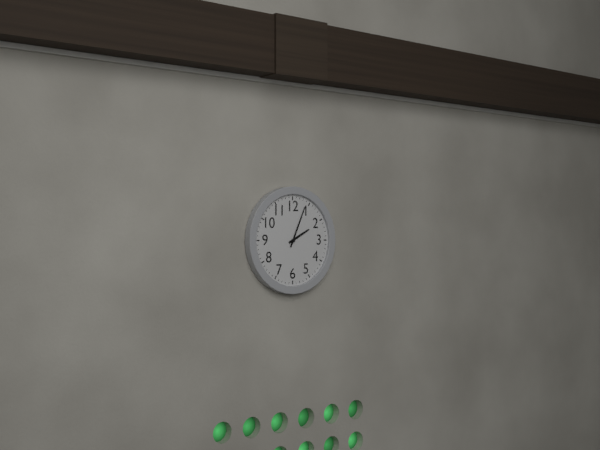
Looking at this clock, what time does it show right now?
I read 2:04
